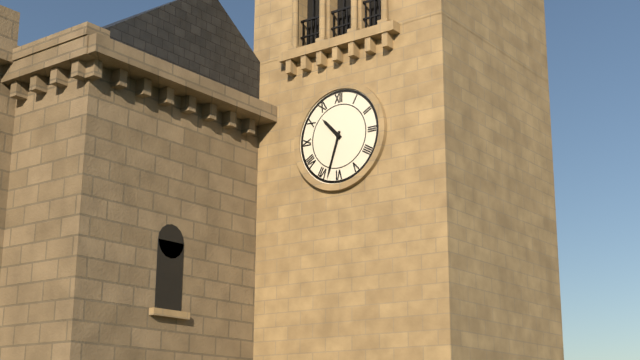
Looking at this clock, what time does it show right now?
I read 10:33
